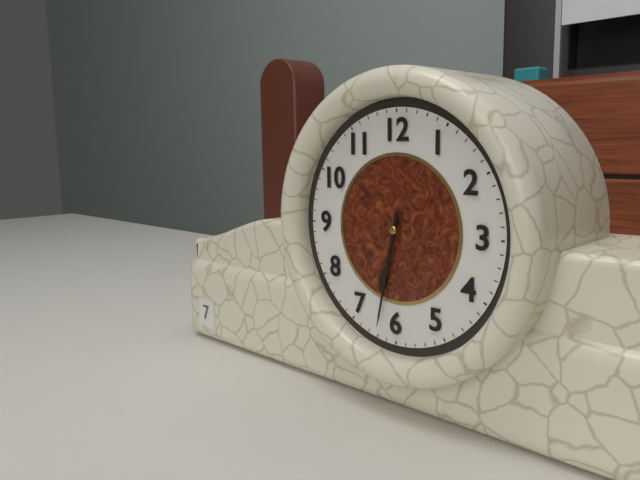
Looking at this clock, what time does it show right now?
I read 6:32
